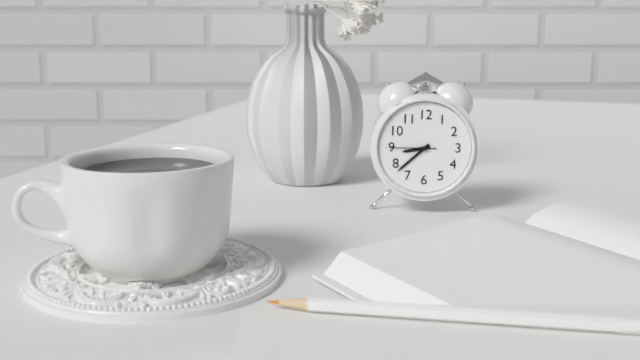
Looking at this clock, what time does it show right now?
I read 8:38
